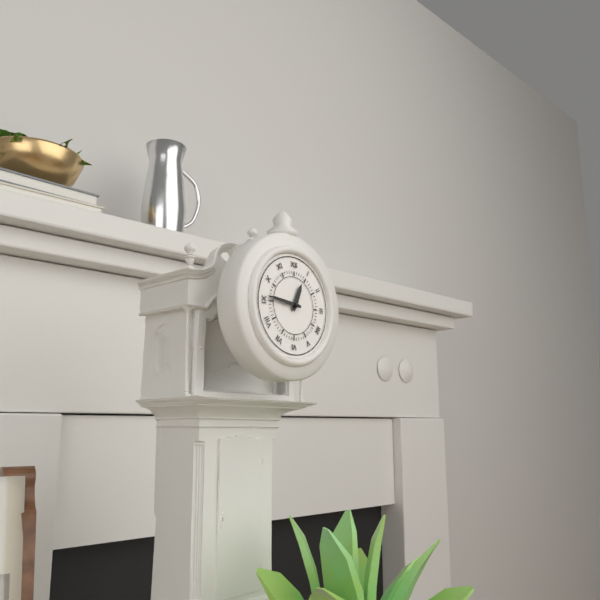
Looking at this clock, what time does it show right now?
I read 12:46
